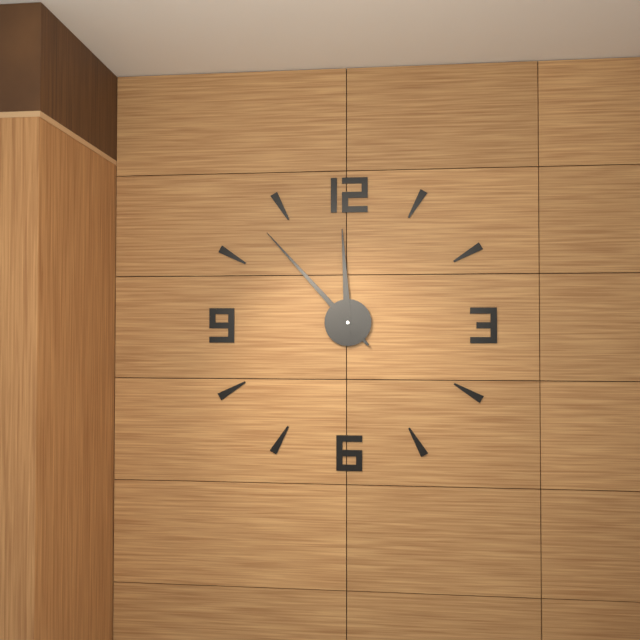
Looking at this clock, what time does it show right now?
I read 11:53
